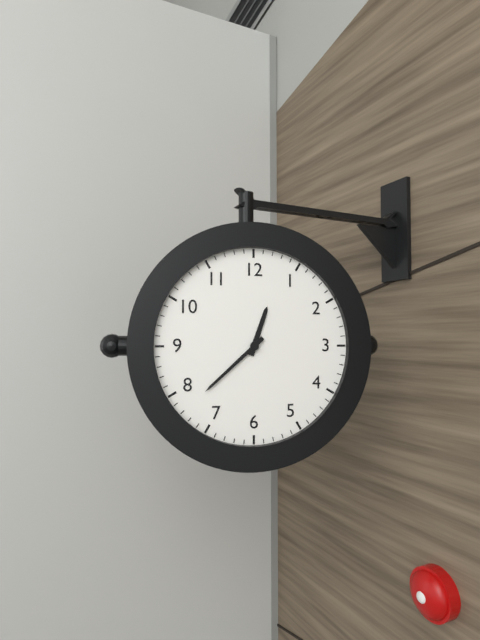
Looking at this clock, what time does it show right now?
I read 12:38
